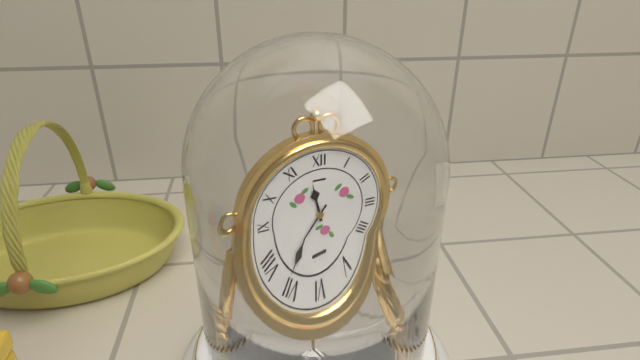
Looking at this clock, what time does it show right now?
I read 11:36
